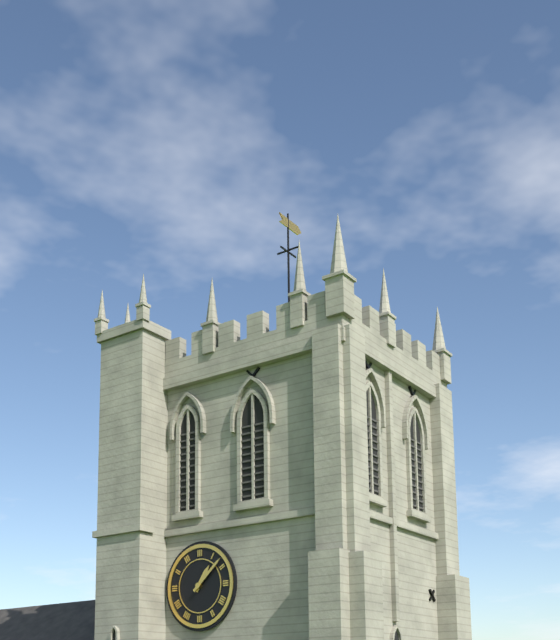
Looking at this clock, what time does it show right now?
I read 1:08
